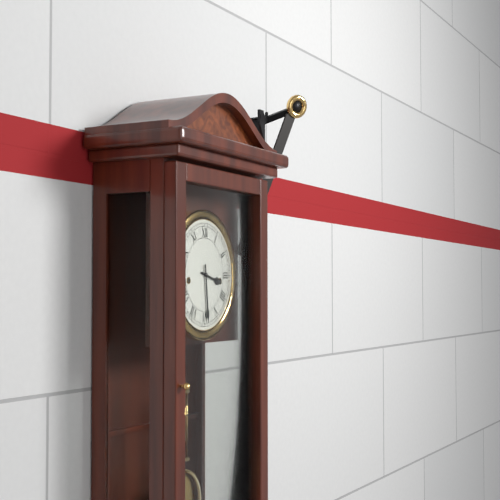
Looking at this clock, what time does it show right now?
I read 3:29
